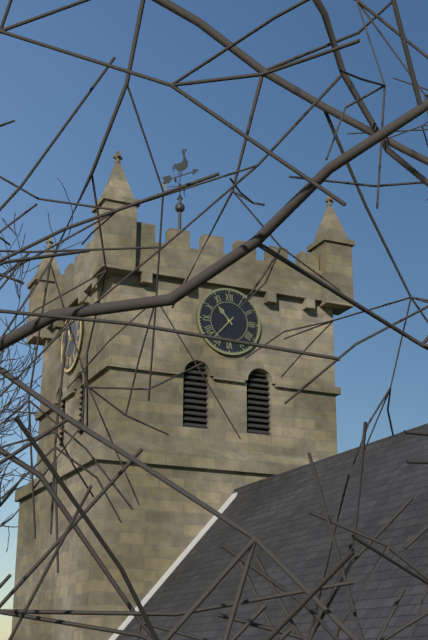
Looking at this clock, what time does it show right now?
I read 10:37
